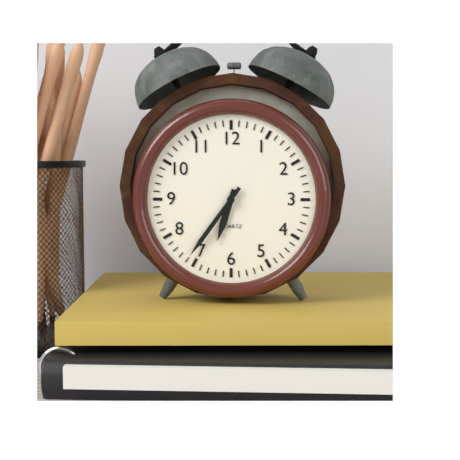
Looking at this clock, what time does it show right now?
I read 6:36
